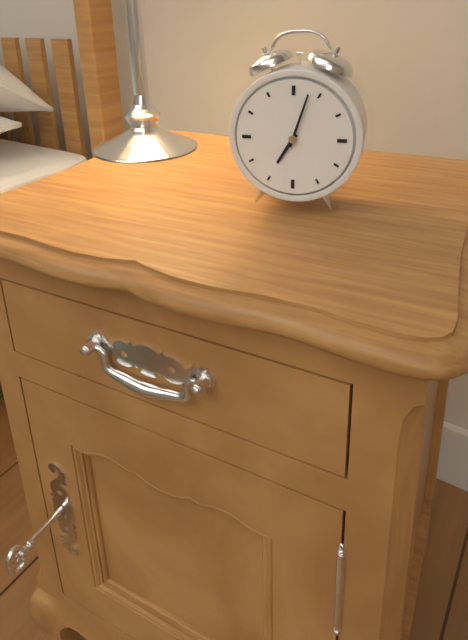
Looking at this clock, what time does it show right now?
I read 7:03
